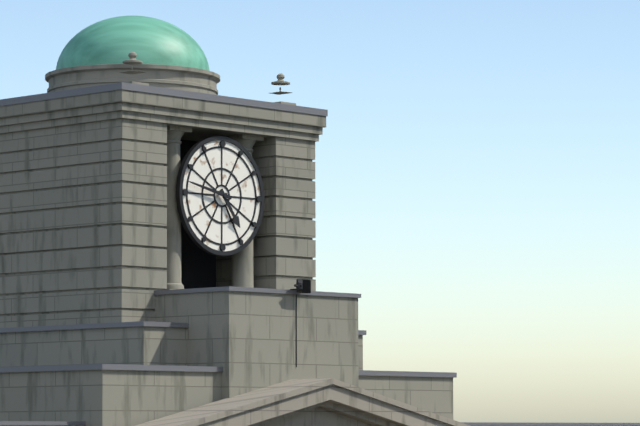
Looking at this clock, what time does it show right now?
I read 4:47
